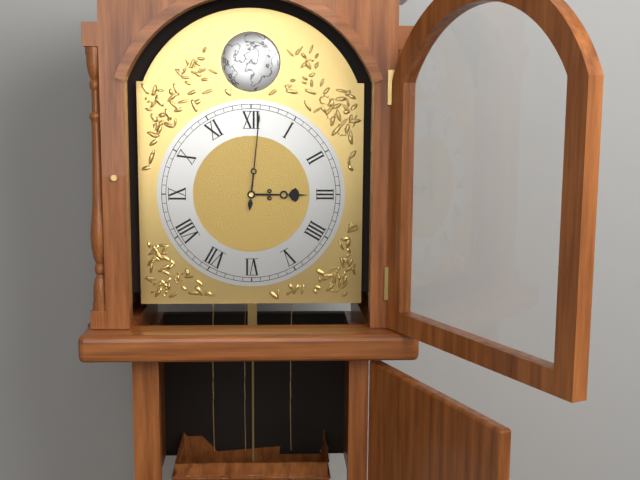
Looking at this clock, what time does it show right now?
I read 3:01
